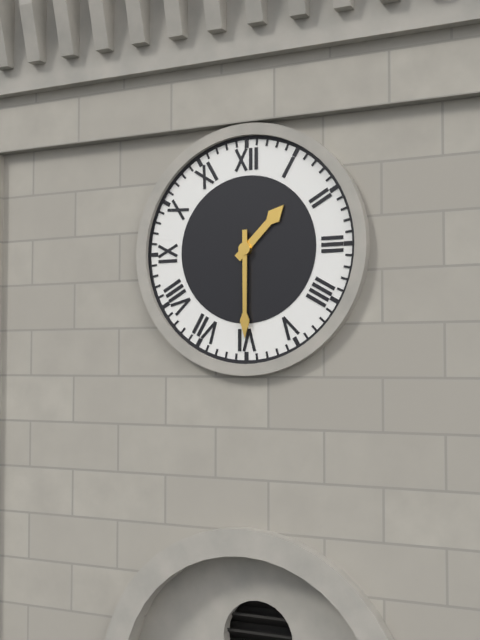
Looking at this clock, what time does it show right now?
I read 1:30
